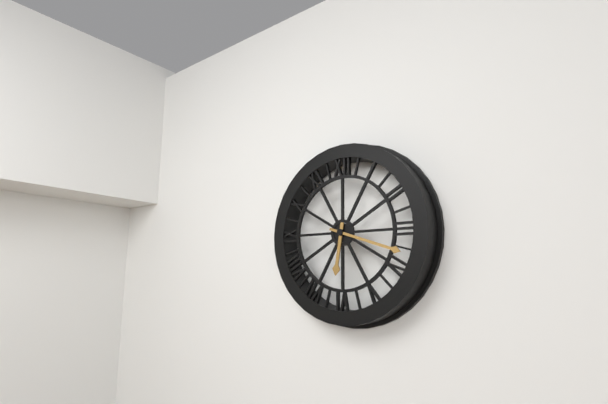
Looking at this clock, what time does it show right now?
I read 6:18
